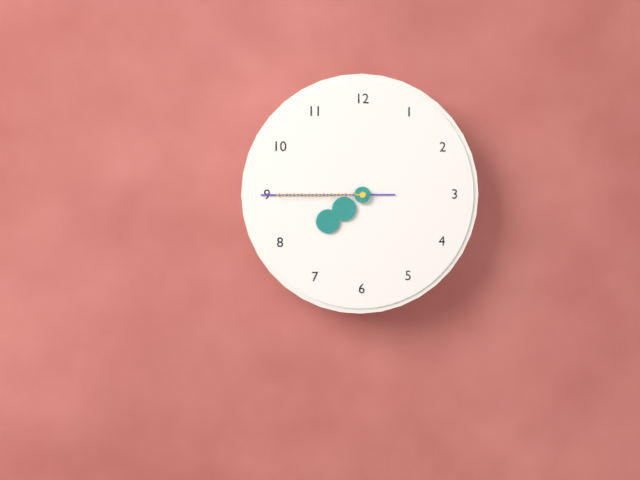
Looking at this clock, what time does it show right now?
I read 7:45:45
